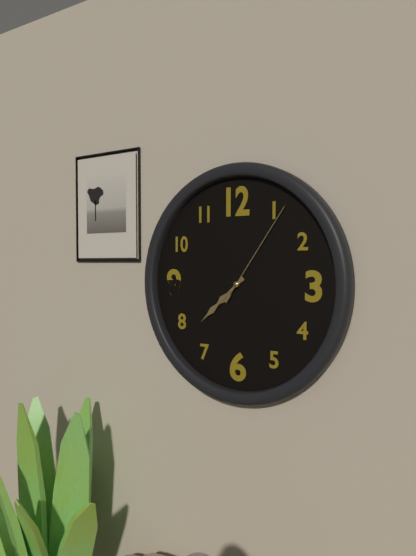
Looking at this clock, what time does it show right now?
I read 7:38:06
